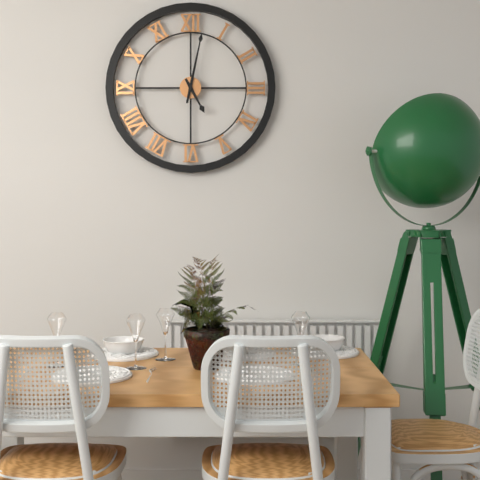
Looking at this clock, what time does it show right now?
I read 5:02
